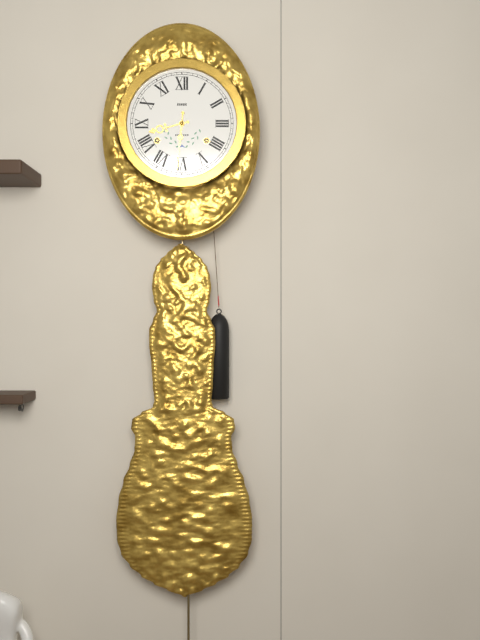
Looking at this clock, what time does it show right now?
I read 8:31
